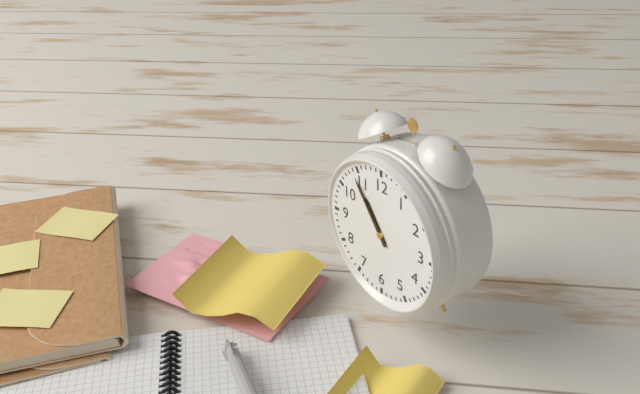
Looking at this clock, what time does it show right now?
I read 10:54
